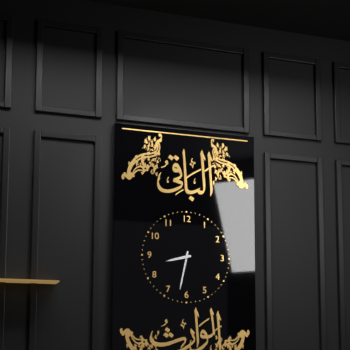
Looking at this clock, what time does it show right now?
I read 8:32
